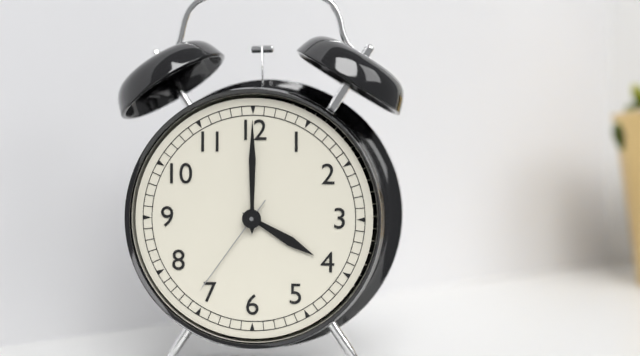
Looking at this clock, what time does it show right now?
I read 4:00:36
